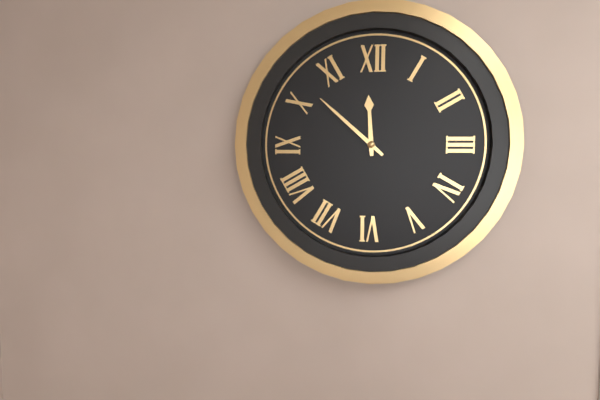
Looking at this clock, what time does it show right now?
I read 11:52
